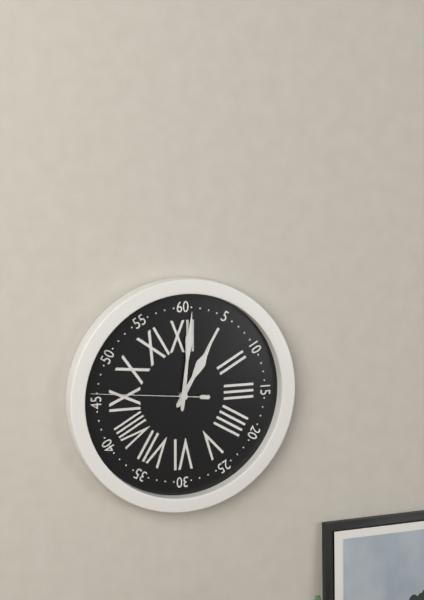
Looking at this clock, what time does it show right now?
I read 1:01:46
